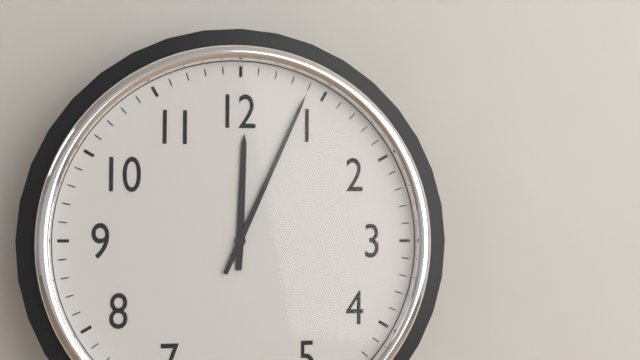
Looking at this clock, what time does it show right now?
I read 12:04
